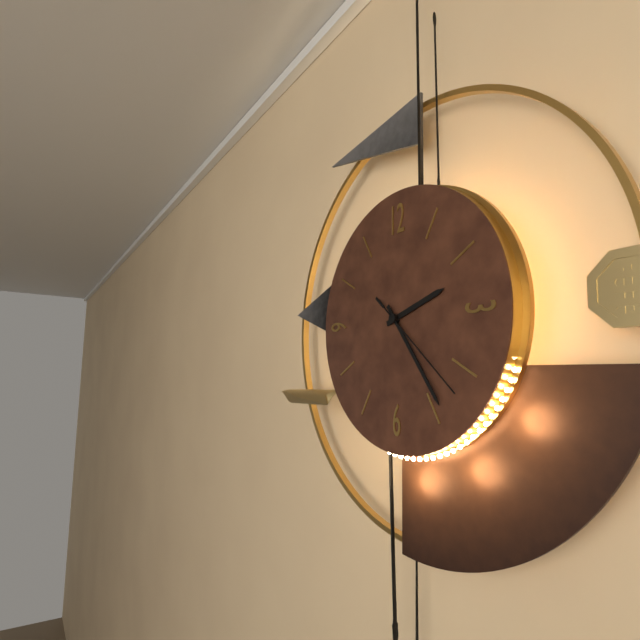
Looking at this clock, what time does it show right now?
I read 2:24:22
